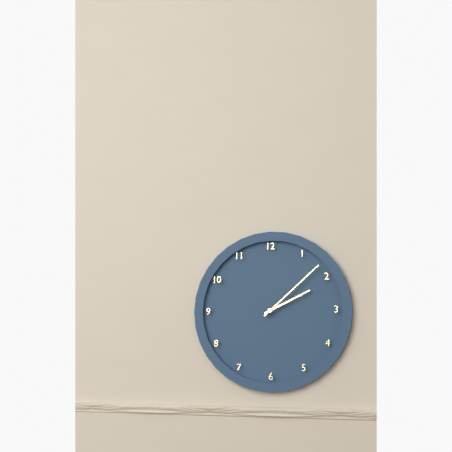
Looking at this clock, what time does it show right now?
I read 2:08
